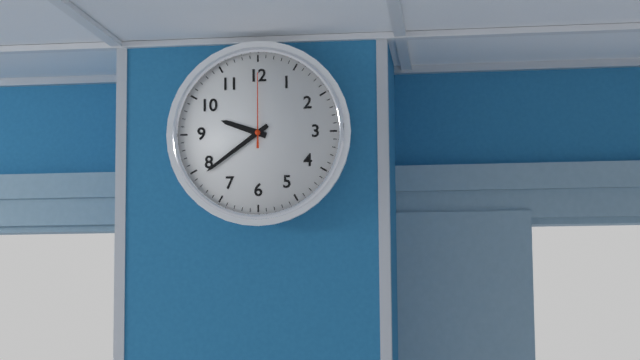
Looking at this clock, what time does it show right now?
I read 9:39:00
